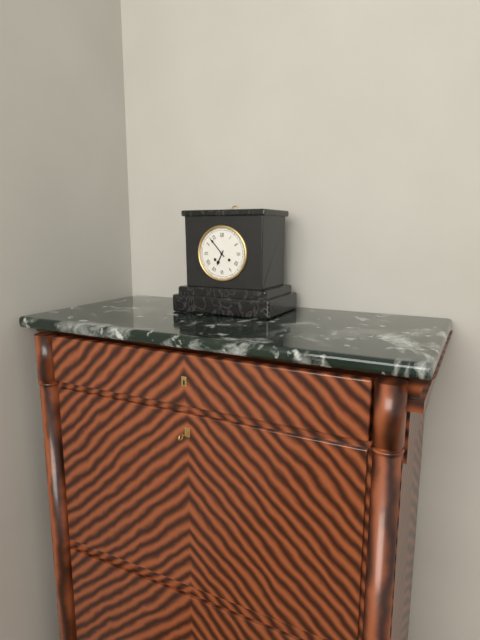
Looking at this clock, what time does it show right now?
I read 6:53
